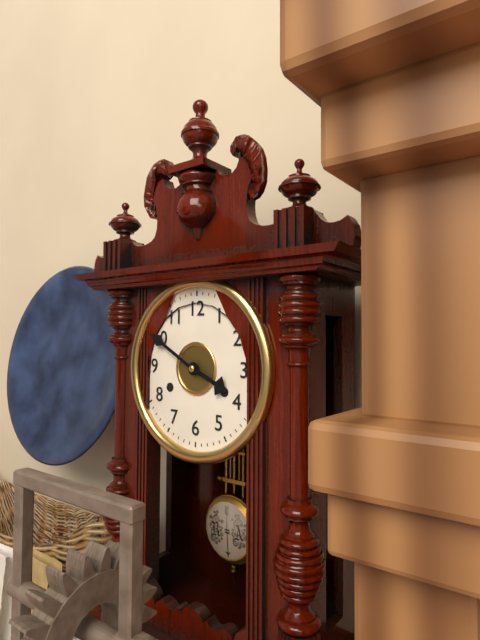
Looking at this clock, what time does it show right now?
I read 3:50
